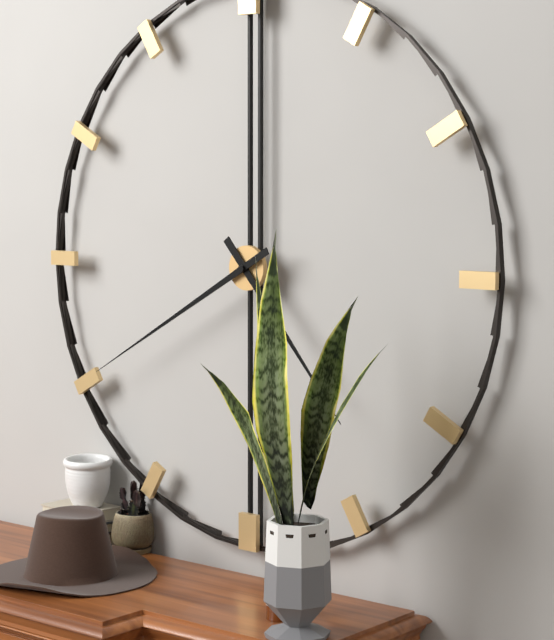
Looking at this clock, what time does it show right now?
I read 4:40
